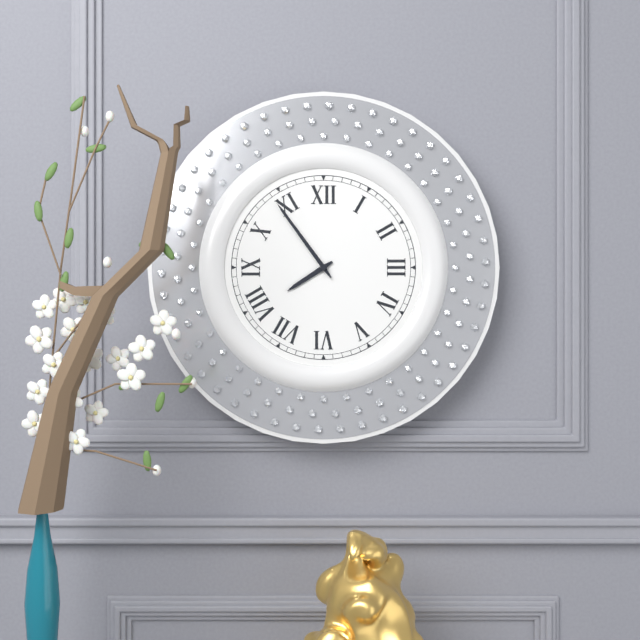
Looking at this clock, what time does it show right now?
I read 7:54
